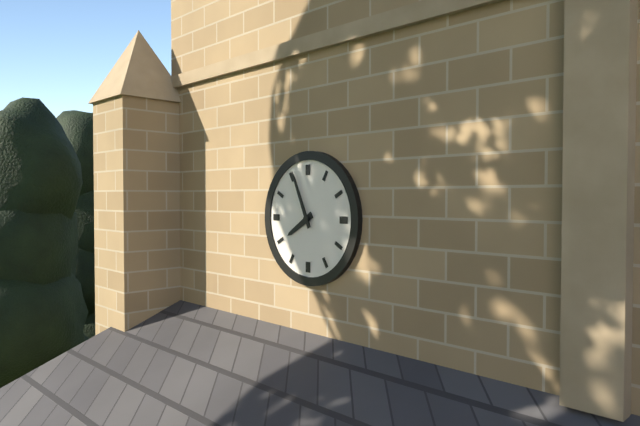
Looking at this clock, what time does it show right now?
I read 7:56
